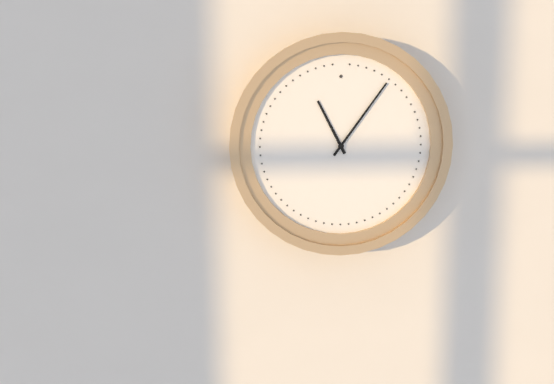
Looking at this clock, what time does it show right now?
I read 11:06
